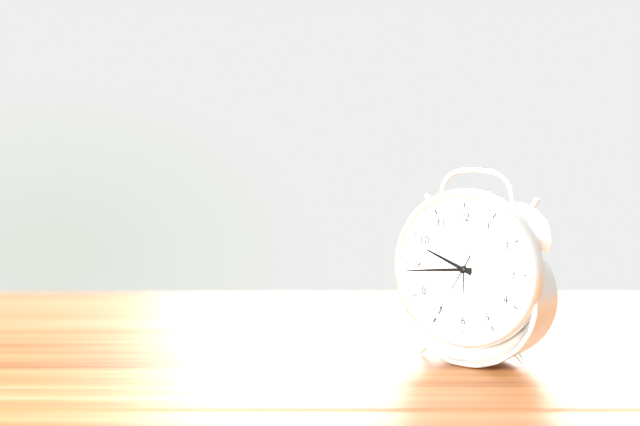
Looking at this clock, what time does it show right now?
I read 9:44:35
